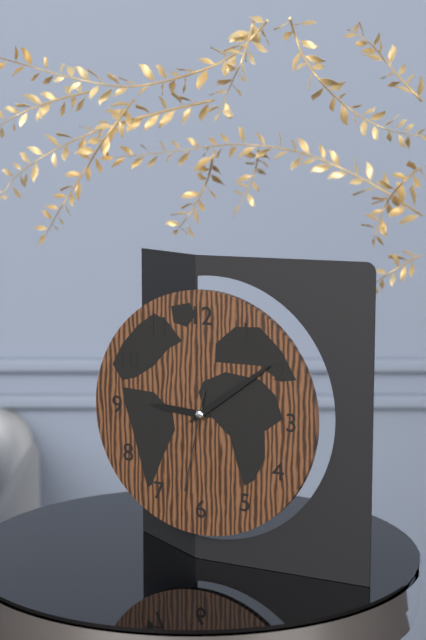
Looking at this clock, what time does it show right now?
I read 9:09:32
